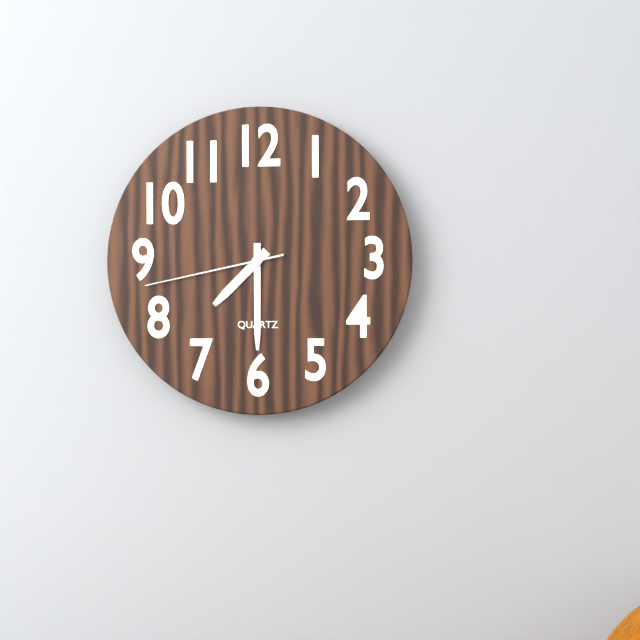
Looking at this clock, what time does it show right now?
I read 7:30:43
